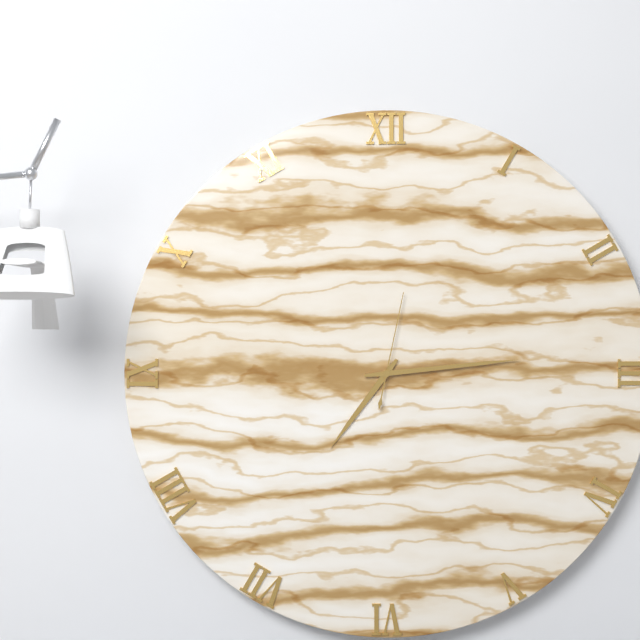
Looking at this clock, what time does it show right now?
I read 7:14:02
